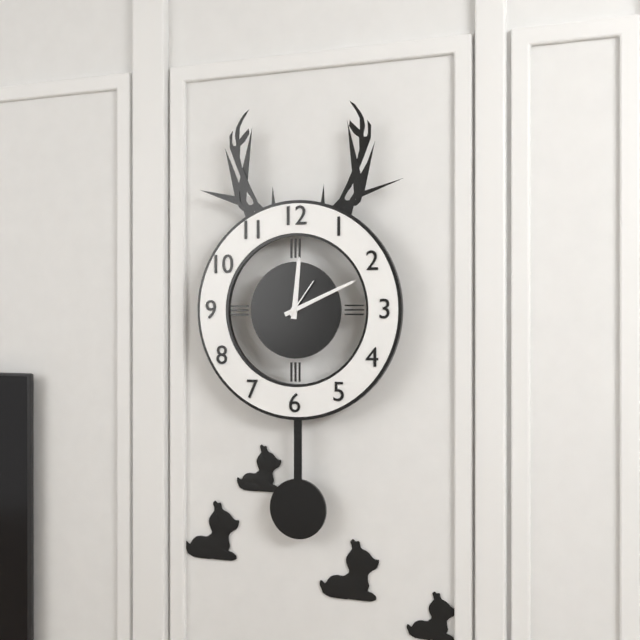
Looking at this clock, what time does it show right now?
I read 12:11
